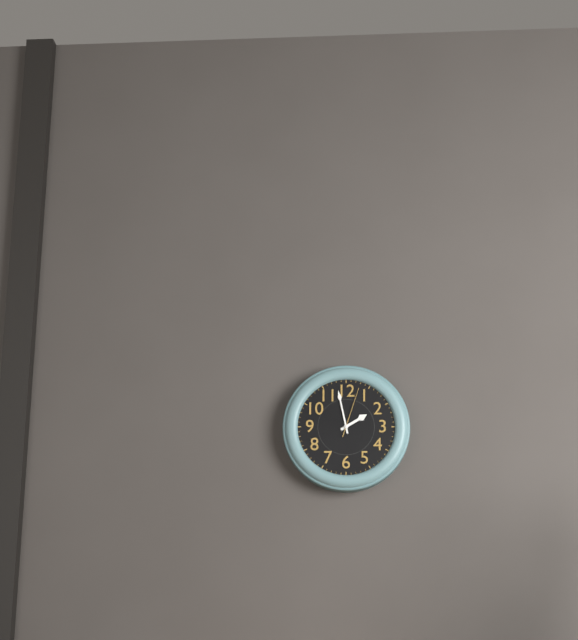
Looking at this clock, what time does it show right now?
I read 1:58:03
